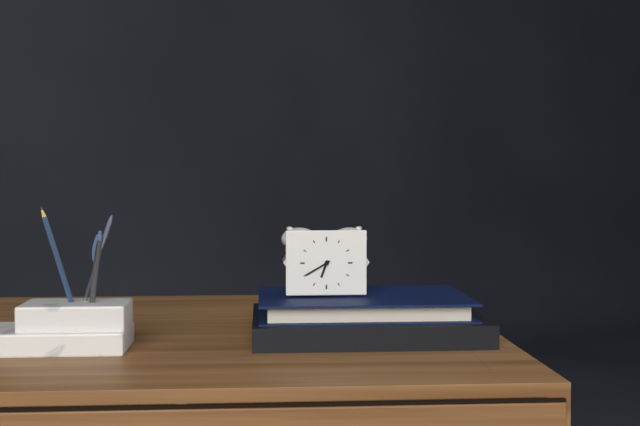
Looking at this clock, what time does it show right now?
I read 6:40
